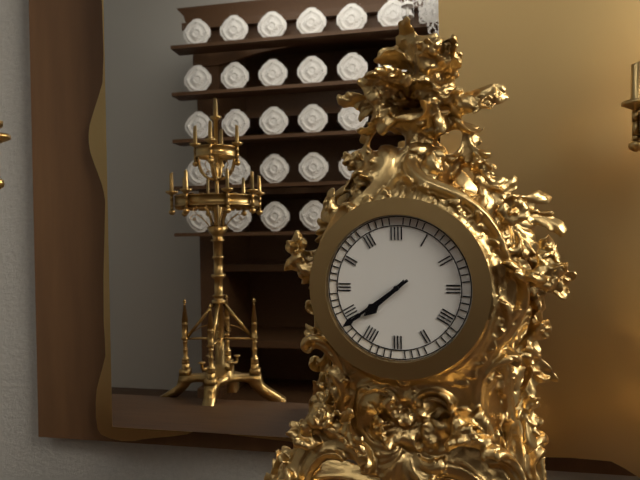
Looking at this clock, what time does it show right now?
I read 7:39
